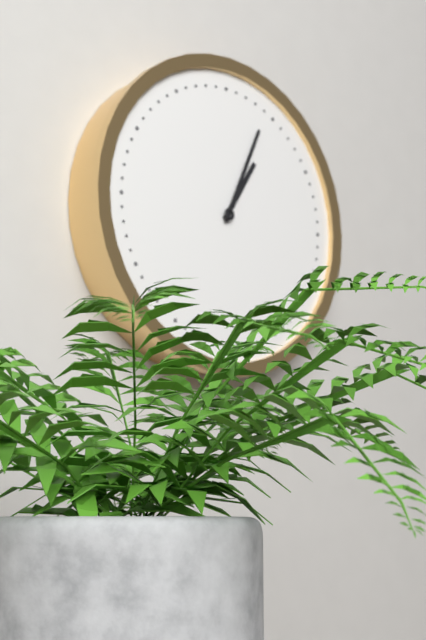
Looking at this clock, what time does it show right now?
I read 1:04
